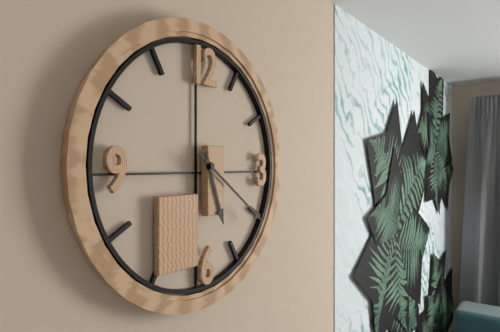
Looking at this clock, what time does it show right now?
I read 5:21
